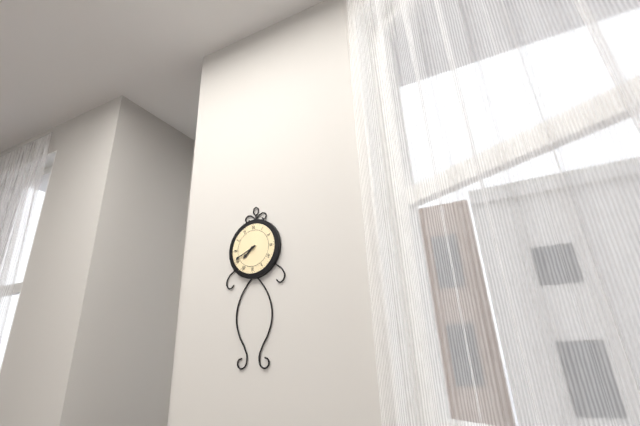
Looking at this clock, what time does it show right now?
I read 7:41
